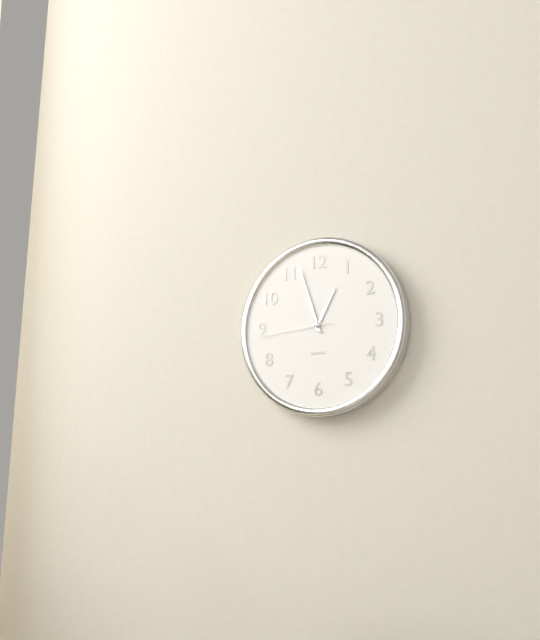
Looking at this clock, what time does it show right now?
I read 12:57:44
